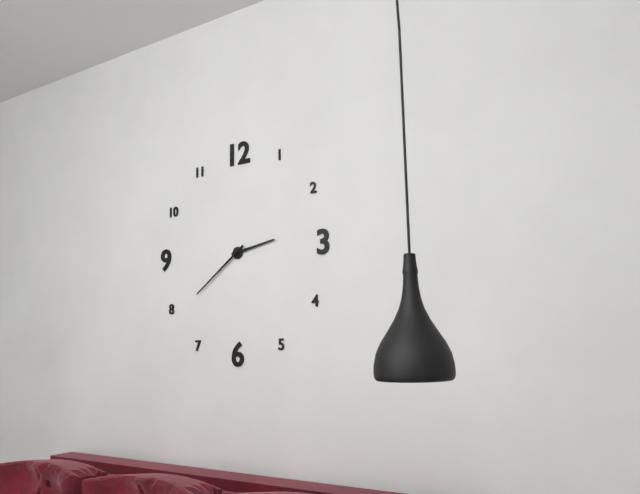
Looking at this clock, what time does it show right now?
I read 2:39
